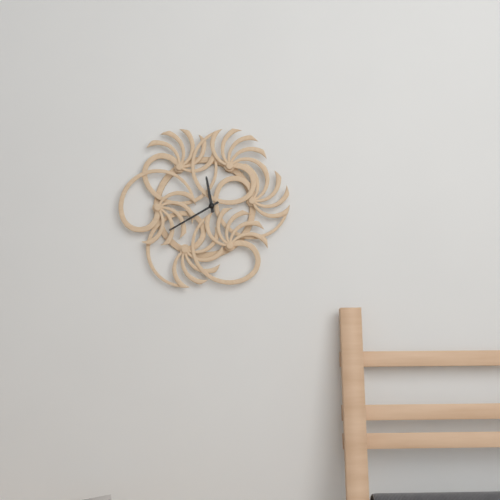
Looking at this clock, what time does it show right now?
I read 11:40
